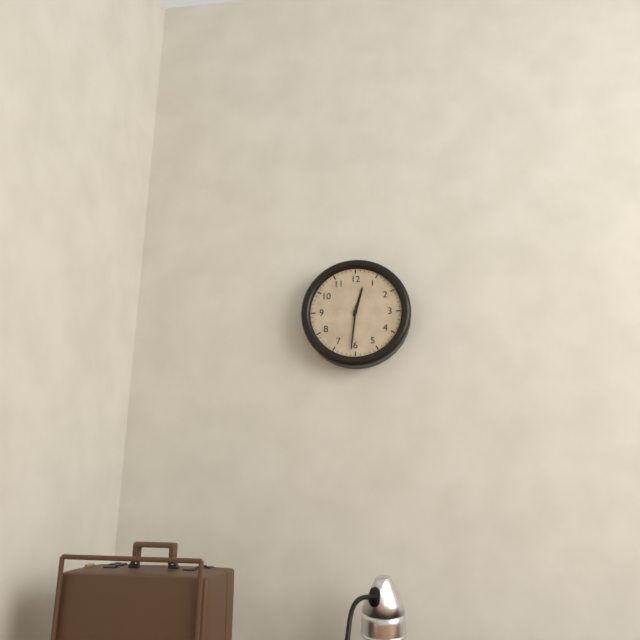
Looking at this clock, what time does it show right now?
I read 12:31
